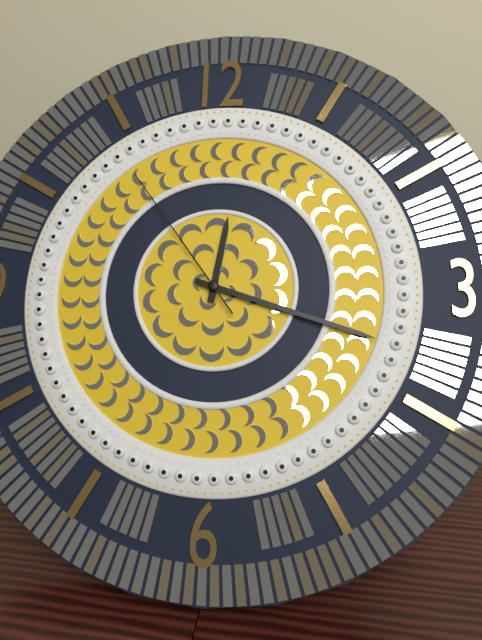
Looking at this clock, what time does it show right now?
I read 12:18:54
